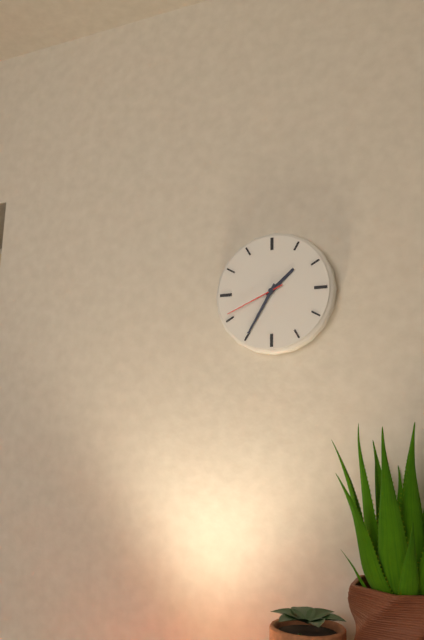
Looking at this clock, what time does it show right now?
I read 1:35:41
